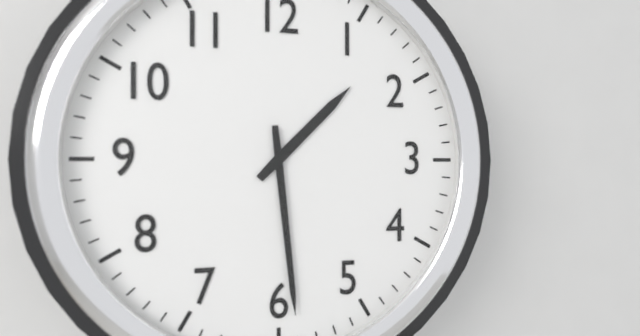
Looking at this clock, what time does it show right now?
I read 1:29
